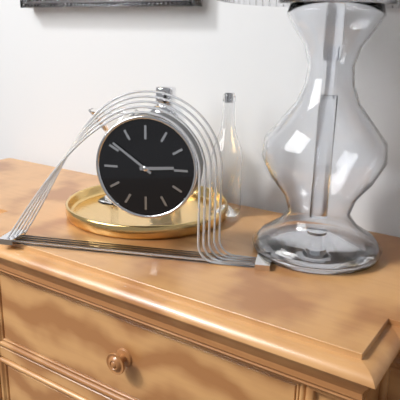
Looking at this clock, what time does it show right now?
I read 2:51
